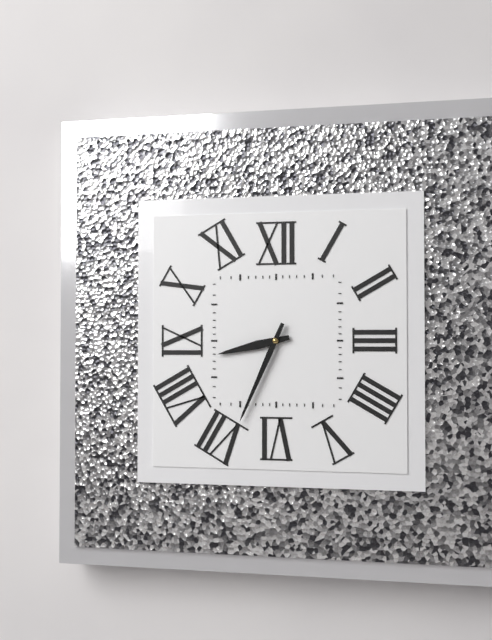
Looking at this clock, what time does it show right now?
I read 8:34
